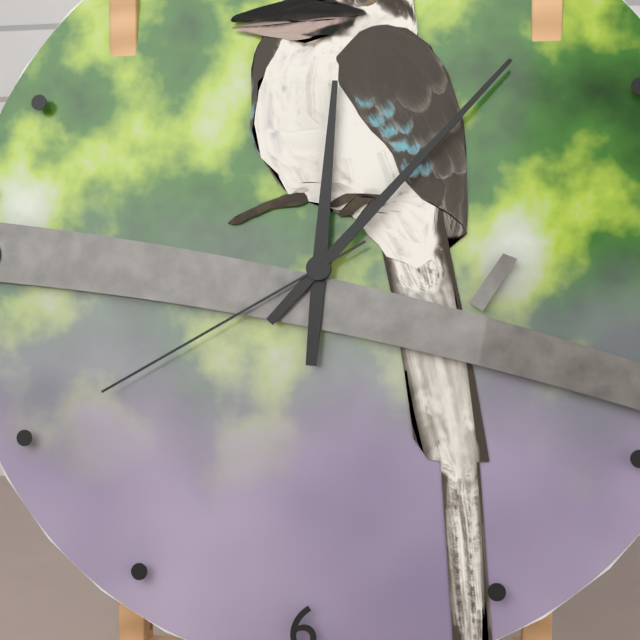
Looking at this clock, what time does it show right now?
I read 12:07:40
